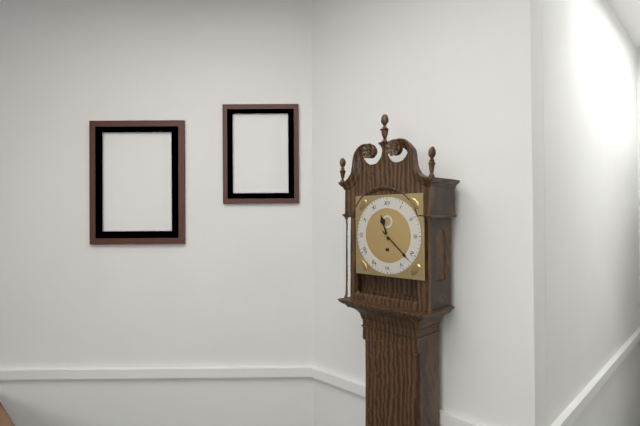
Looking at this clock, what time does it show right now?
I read 11:22
